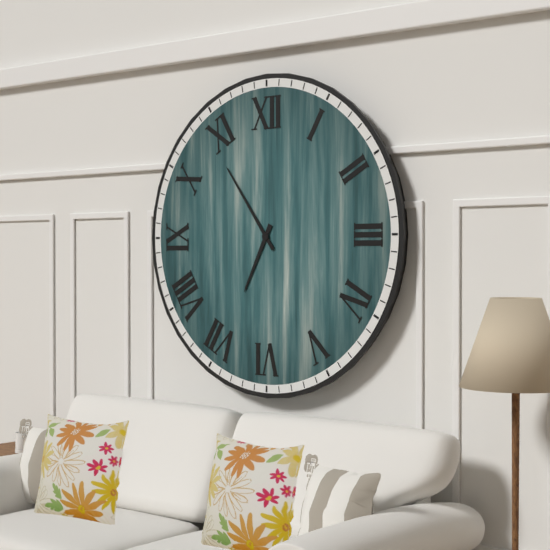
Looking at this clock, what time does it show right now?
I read 6:54
